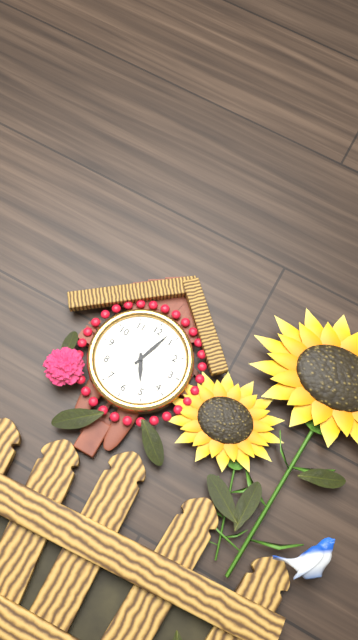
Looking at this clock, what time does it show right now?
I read 5:03
